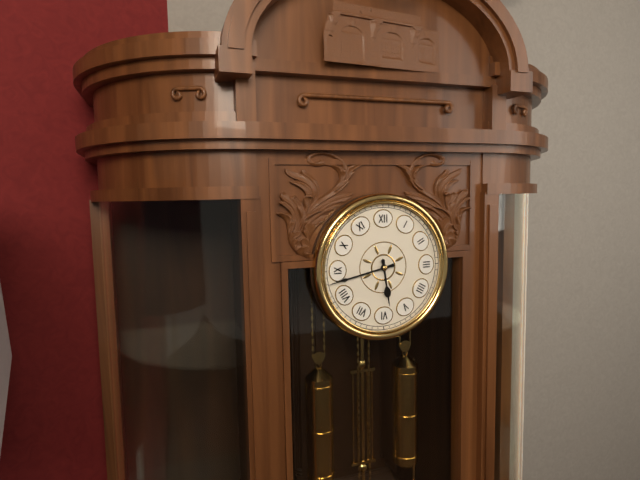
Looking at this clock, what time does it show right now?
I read 5:43
